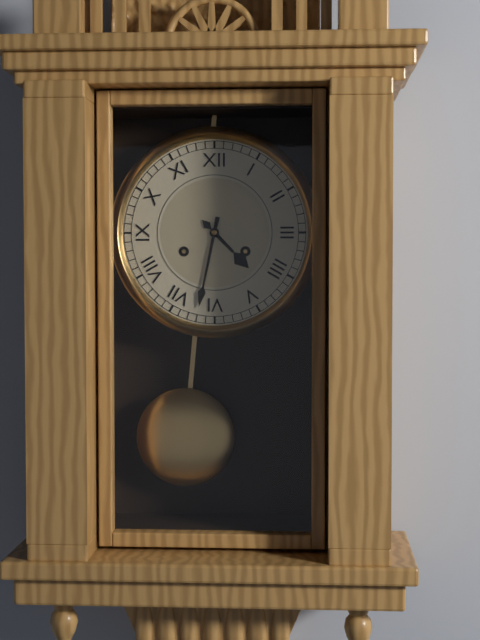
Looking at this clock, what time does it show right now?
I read 4:32
